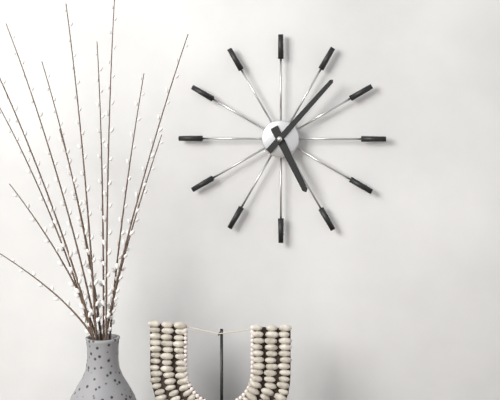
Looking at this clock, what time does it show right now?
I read 5:07
